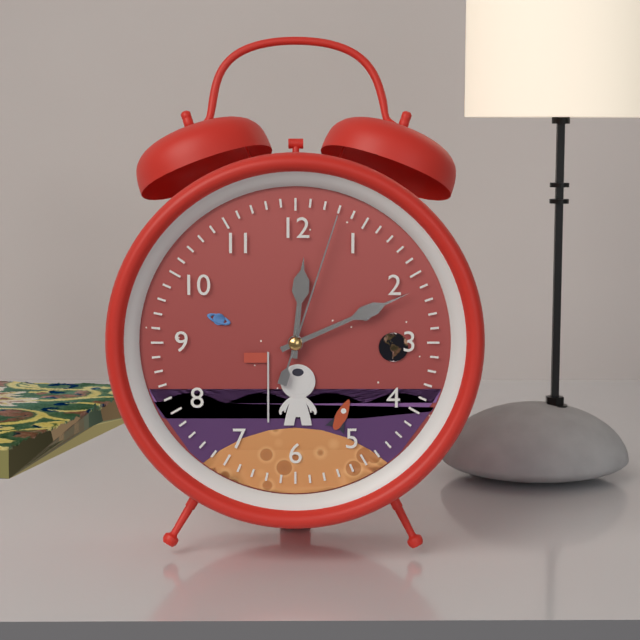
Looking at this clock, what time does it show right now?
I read 12:11:03
